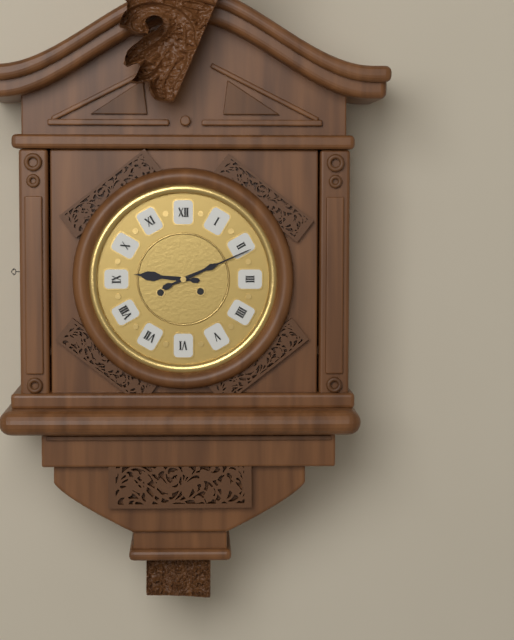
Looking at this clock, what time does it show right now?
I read 9:11
